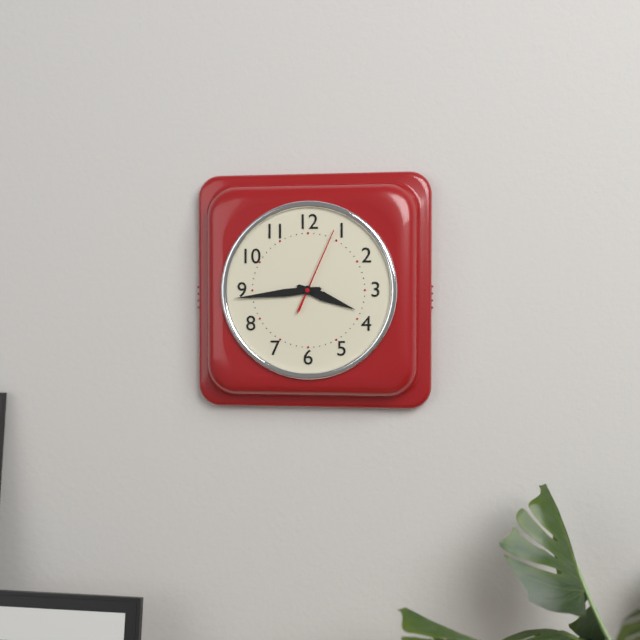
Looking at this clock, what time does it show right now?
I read 3:44:04
